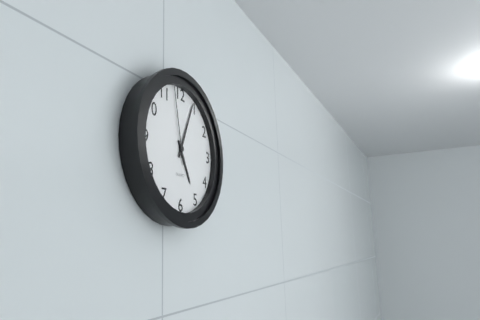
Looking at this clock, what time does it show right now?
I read 5:04:58
